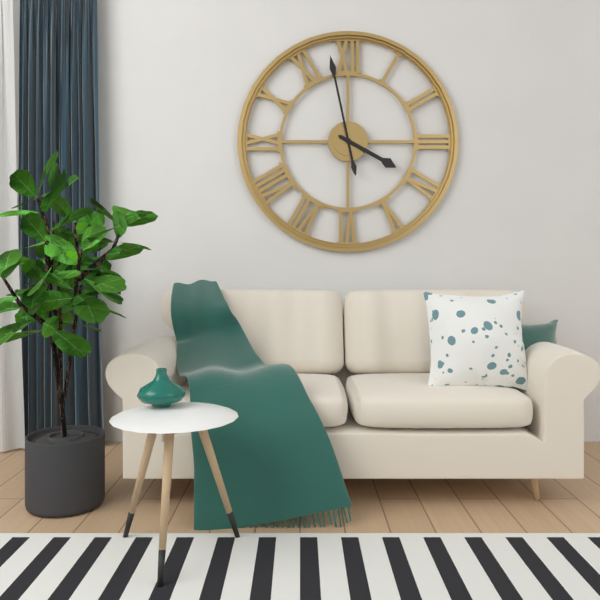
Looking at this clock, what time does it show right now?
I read 3:58
